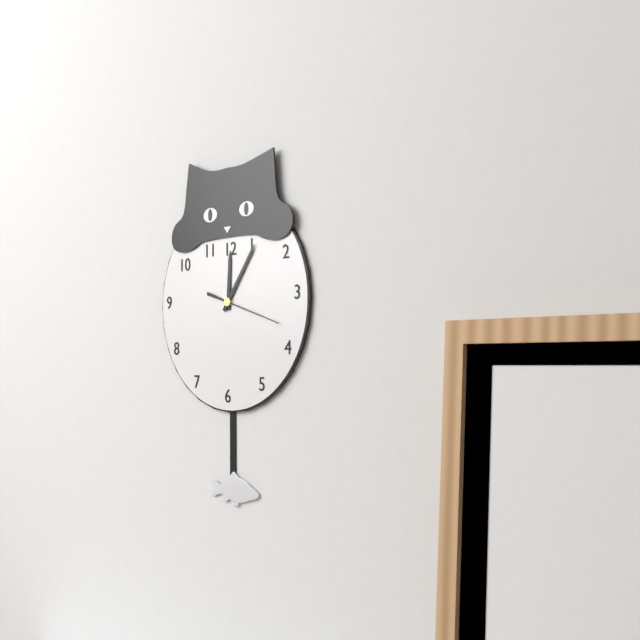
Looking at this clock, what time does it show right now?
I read 12:06:18
